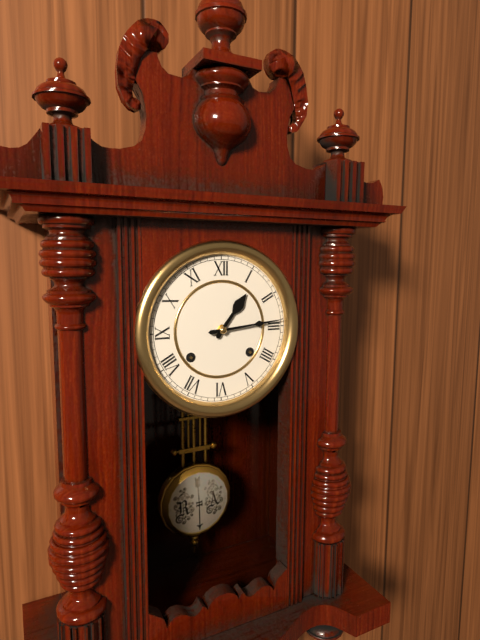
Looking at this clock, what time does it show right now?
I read 1:14
